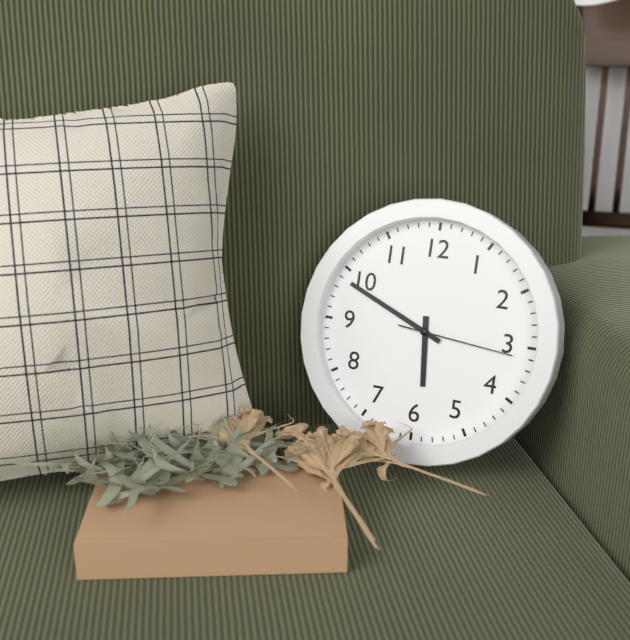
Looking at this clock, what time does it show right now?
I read 5:49:16
